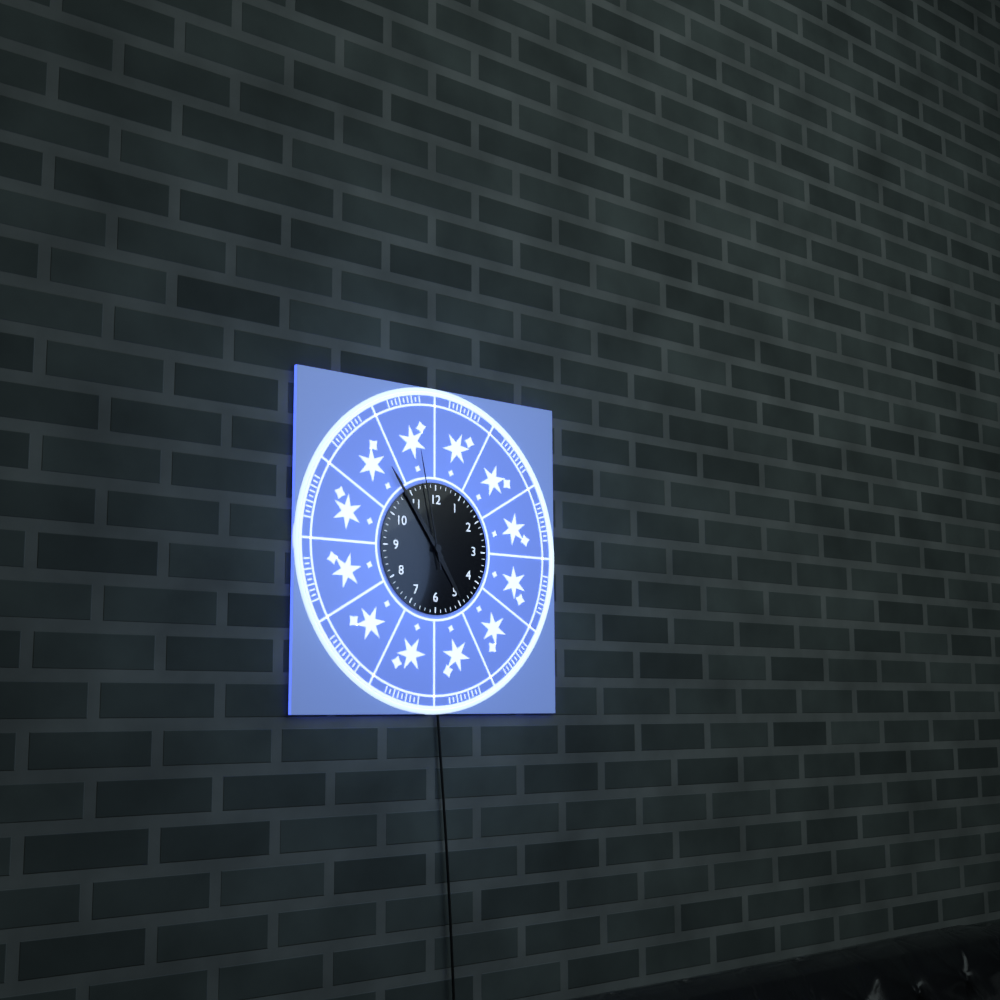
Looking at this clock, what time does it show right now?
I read 4:54:58
